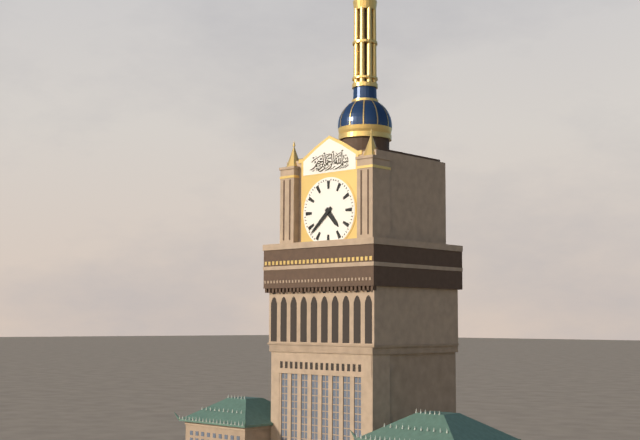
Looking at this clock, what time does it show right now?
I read 4:38
